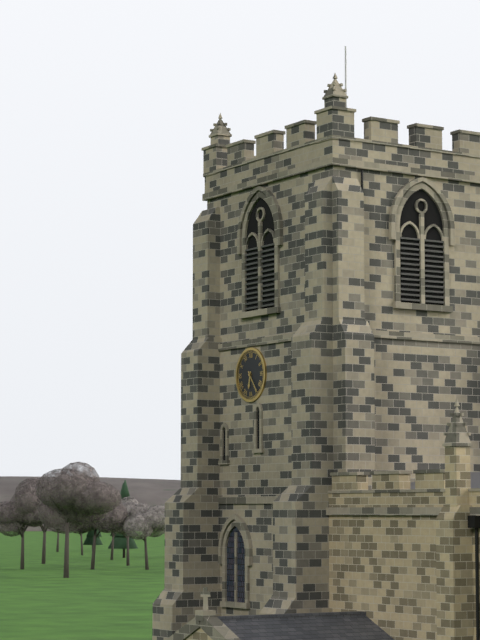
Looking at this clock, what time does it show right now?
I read 6:24
